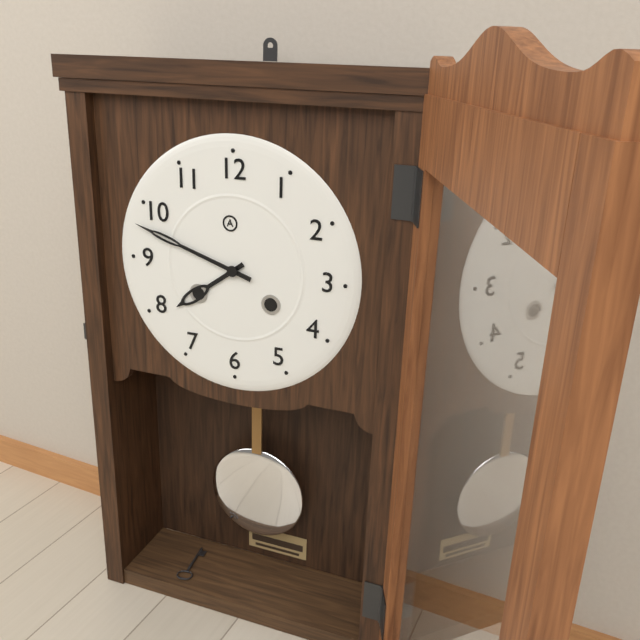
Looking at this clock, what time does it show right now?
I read 7:48
